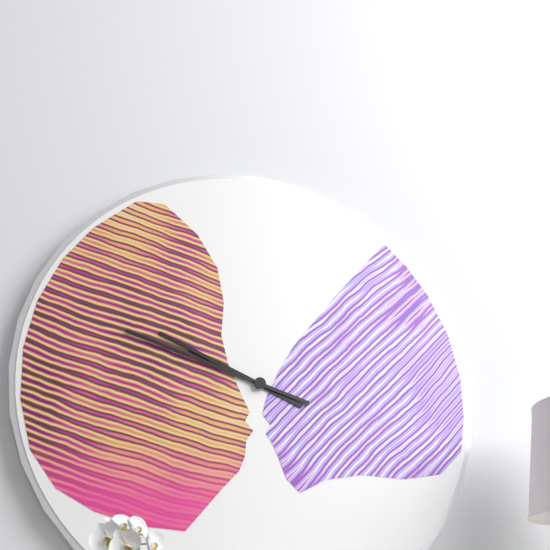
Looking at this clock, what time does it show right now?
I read 9:48
